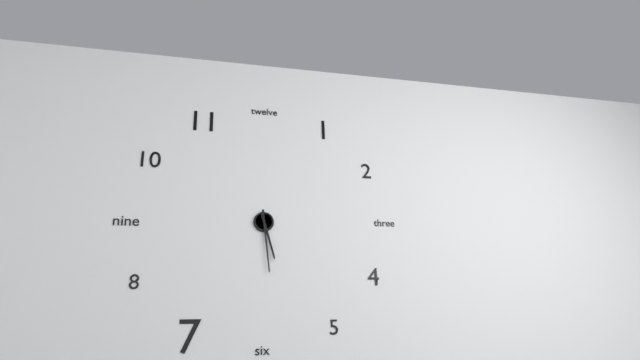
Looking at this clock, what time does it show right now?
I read 5:29
